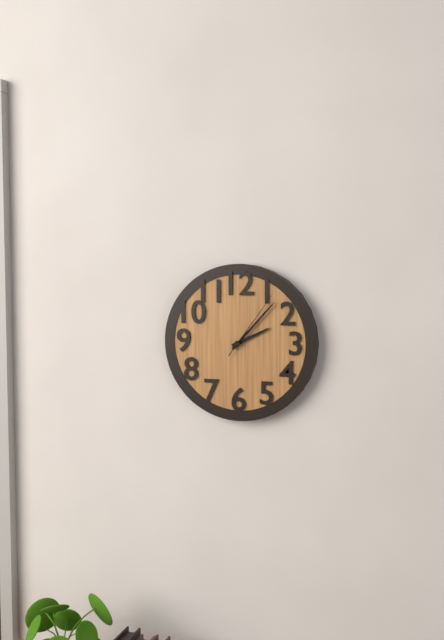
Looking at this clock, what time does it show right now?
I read 2:07:06
